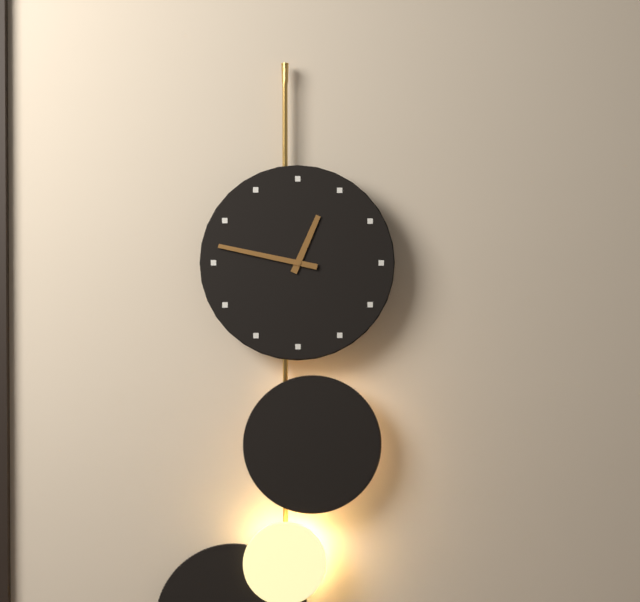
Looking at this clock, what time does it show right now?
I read 12:47
